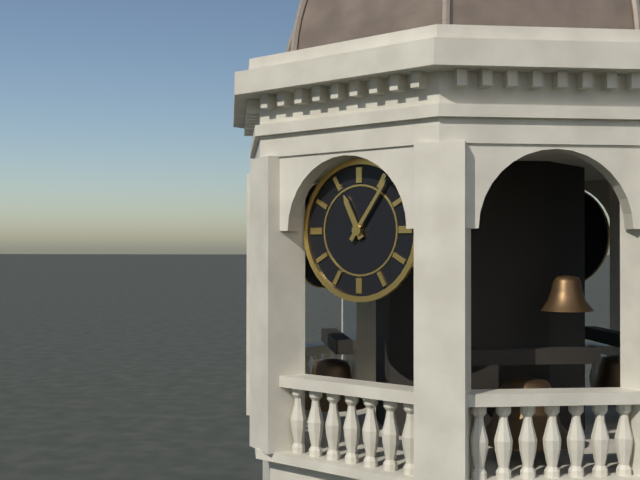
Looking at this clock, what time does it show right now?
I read 11:06
